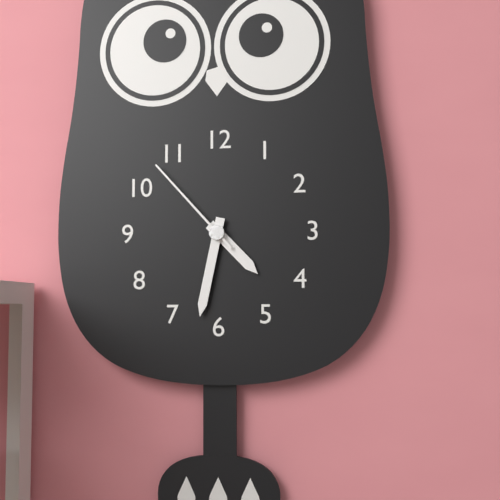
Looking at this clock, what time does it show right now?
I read 4:32:53
